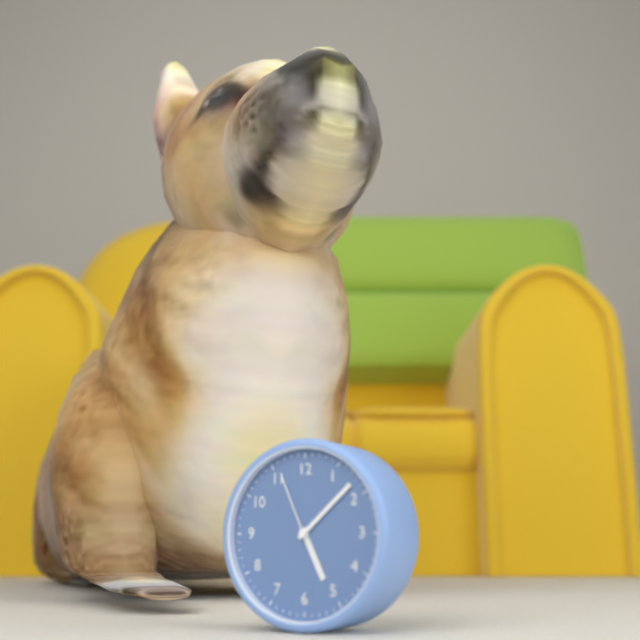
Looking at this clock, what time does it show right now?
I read 5:08:56
